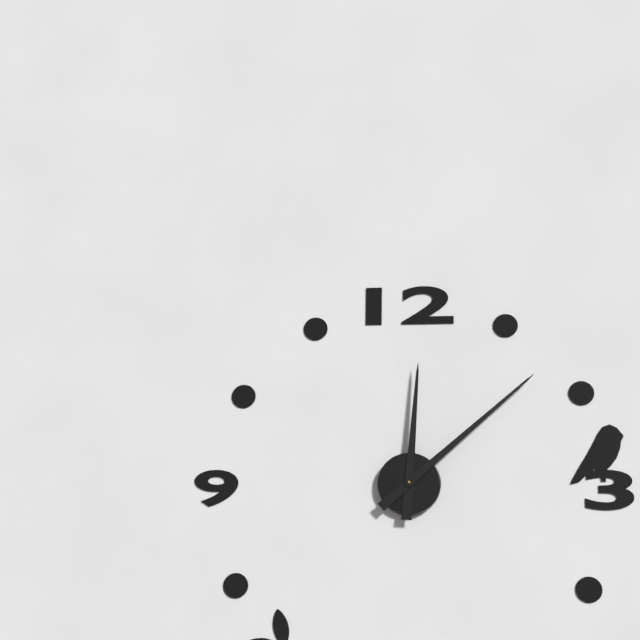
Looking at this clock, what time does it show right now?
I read 12:08
